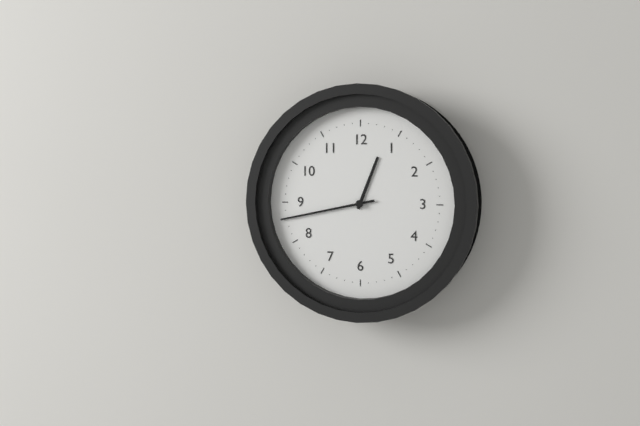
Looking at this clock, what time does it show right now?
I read 12:43
